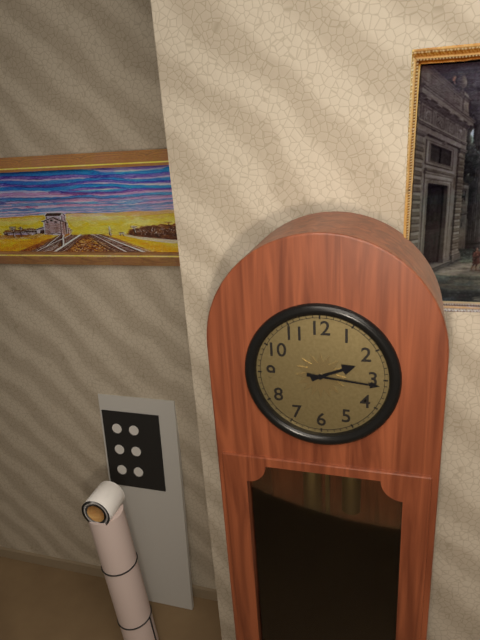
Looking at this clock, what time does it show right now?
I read 2:16
